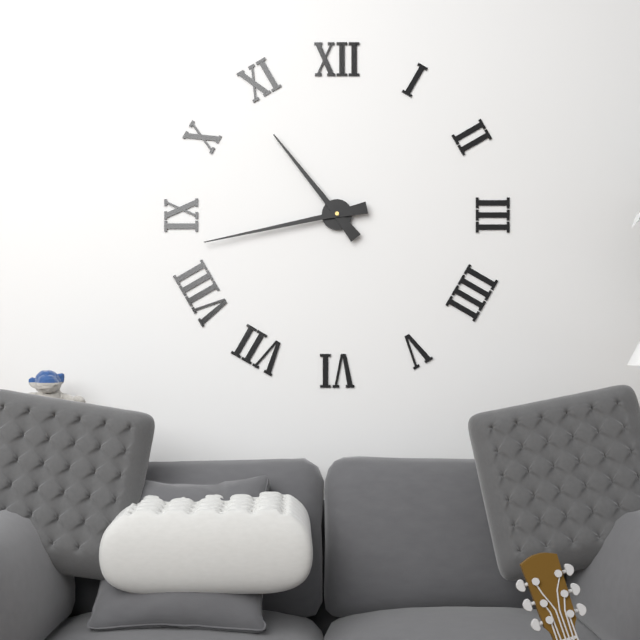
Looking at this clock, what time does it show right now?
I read 10:43
